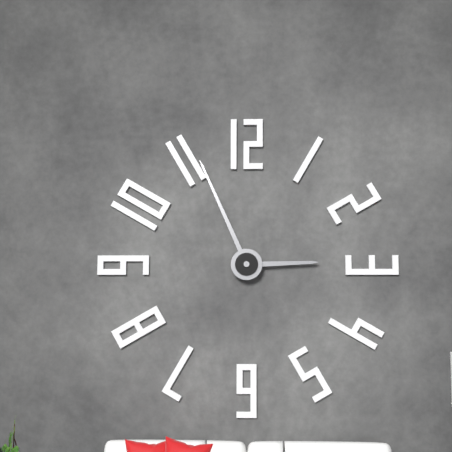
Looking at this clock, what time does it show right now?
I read 2:56
